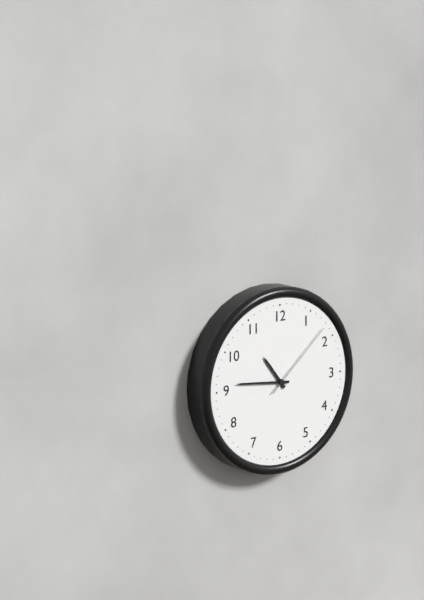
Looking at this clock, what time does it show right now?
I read 10:46:08
